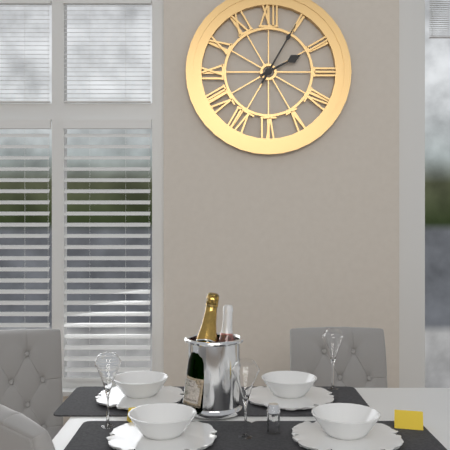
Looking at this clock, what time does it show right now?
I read 2:05
